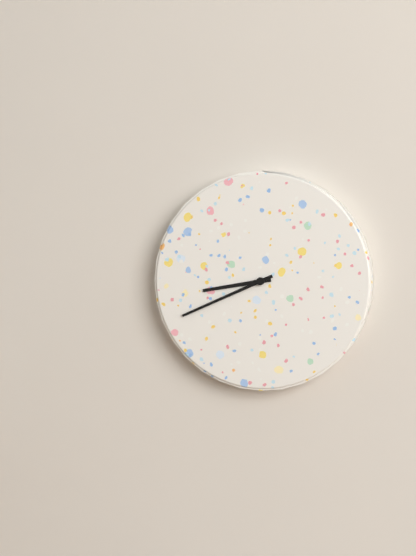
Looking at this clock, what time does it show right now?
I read 8:41
